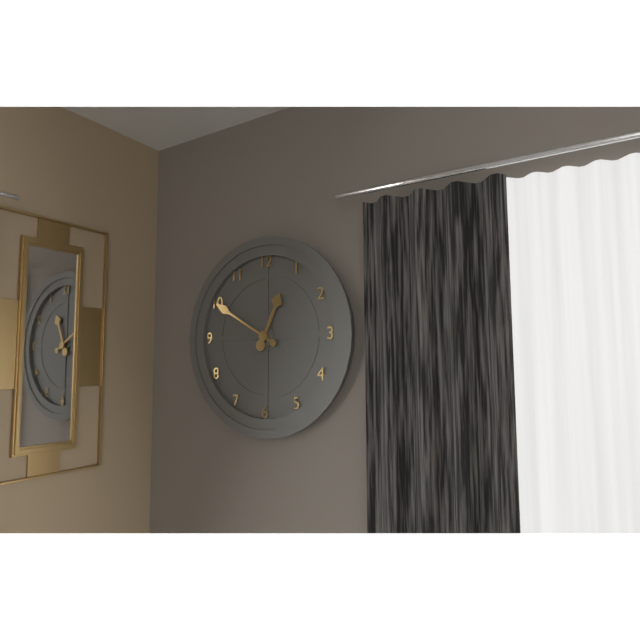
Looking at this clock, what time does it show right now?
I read 12:50
